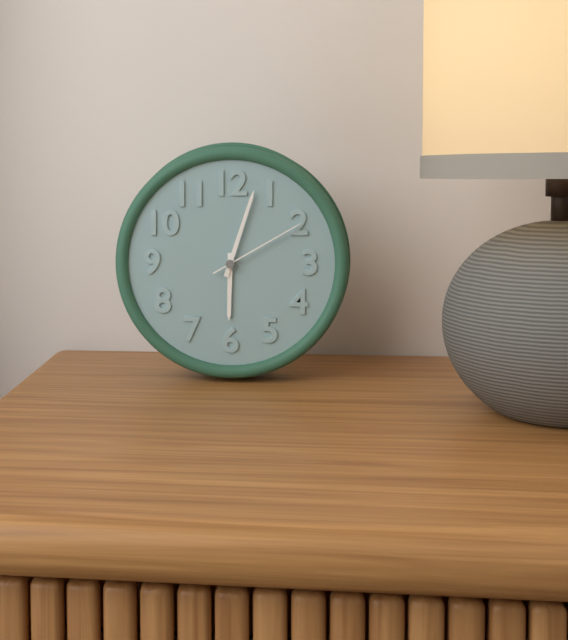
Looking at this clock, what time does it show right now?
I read 6:03:10
